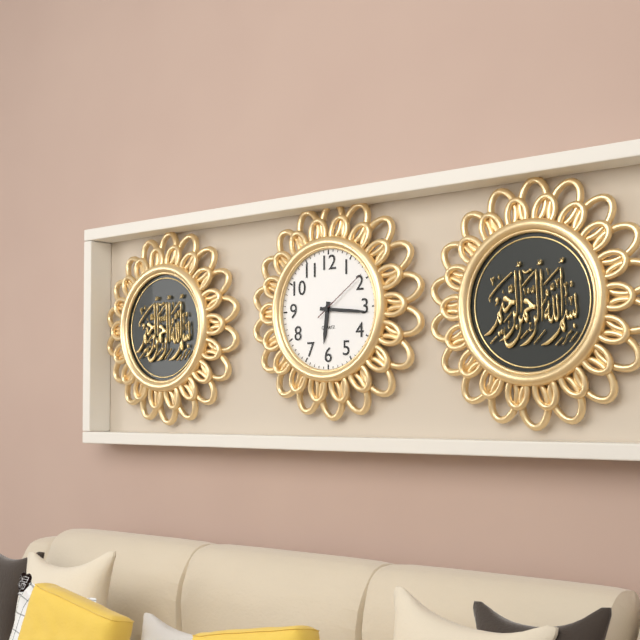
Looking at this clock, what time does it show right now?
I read 6:16:09
